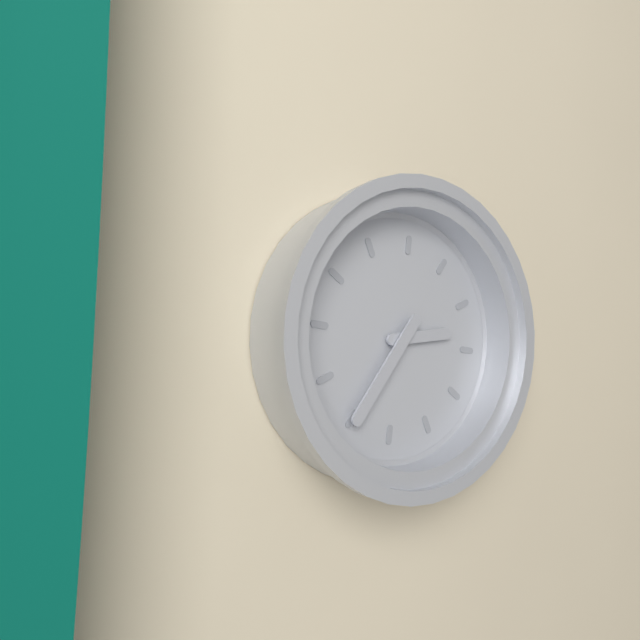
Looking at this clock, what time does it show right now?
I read 2:35
